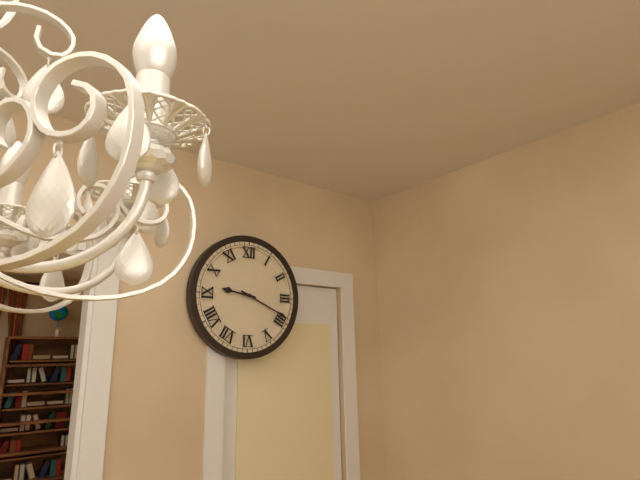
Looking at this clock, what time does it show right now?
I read 9:19
